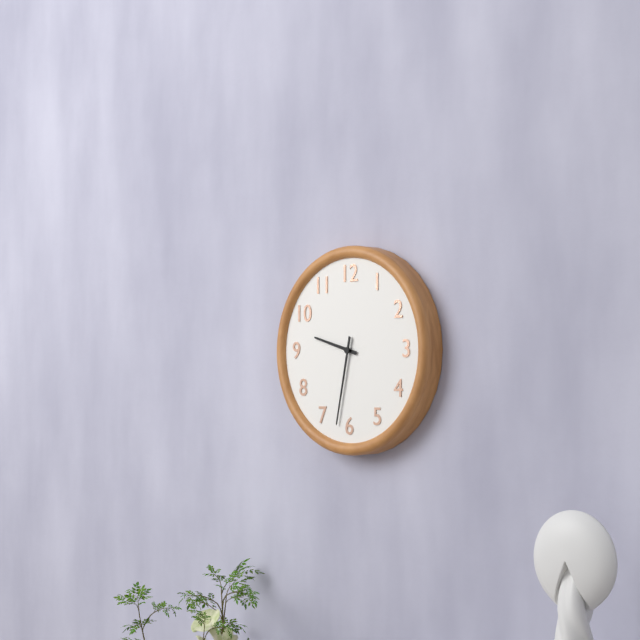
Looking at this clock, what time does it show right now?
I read 9:32
